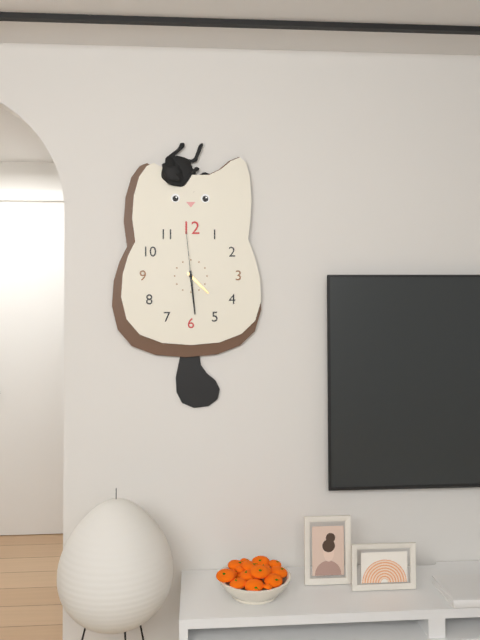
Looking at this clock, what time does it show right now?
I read 4:29:59
